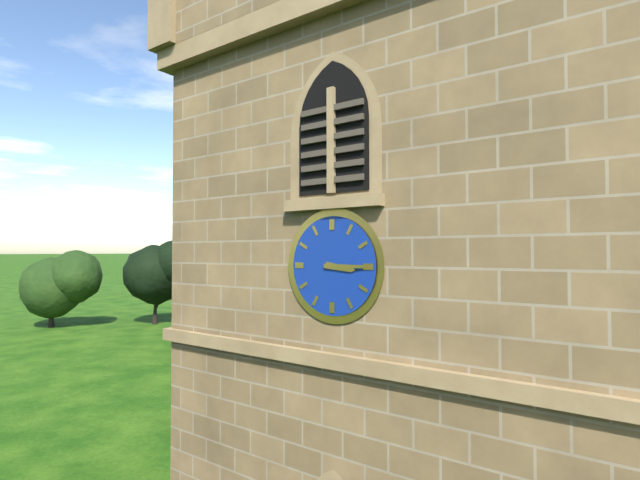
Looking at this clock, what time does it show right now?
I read 3:15
